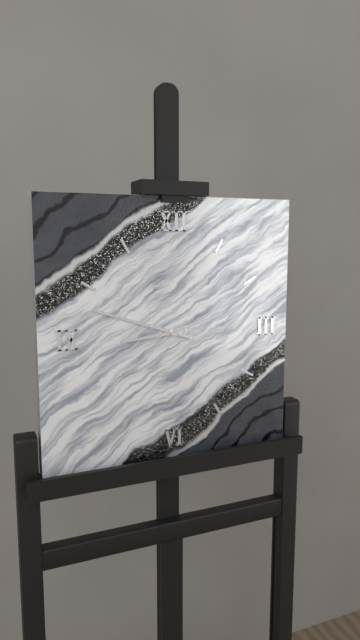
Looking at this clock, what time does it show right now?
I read 8:48
